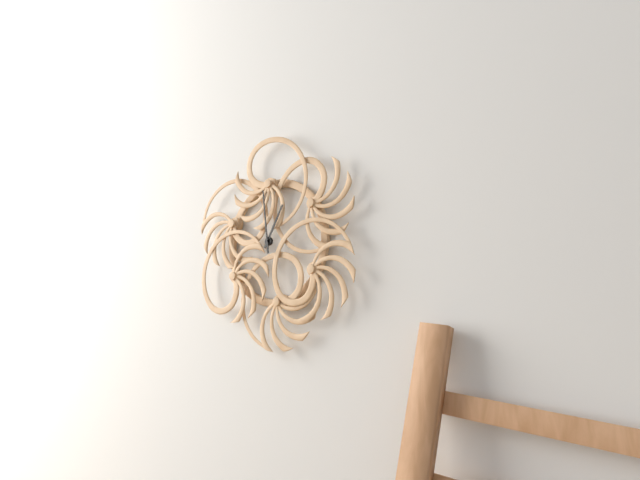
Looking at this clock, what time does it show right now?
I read 12:59
